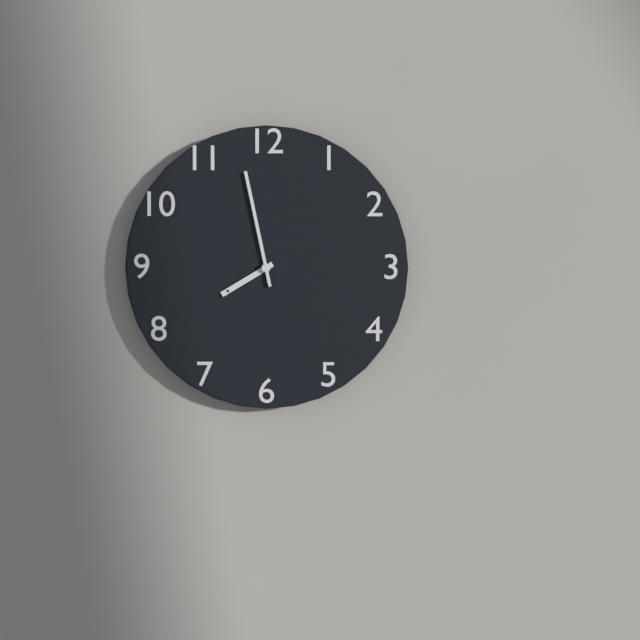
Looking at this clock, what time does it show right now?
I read 7:58
